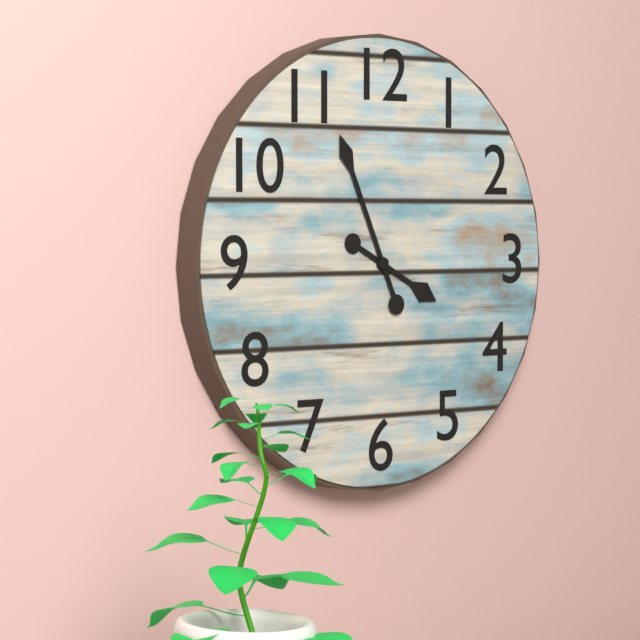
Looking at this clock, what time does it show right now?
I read 3:56
